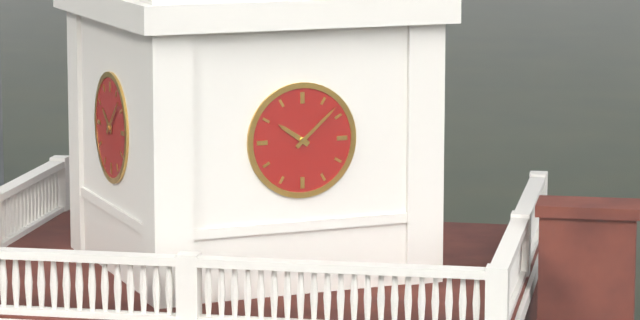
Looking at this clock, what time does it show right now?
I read 10:08
